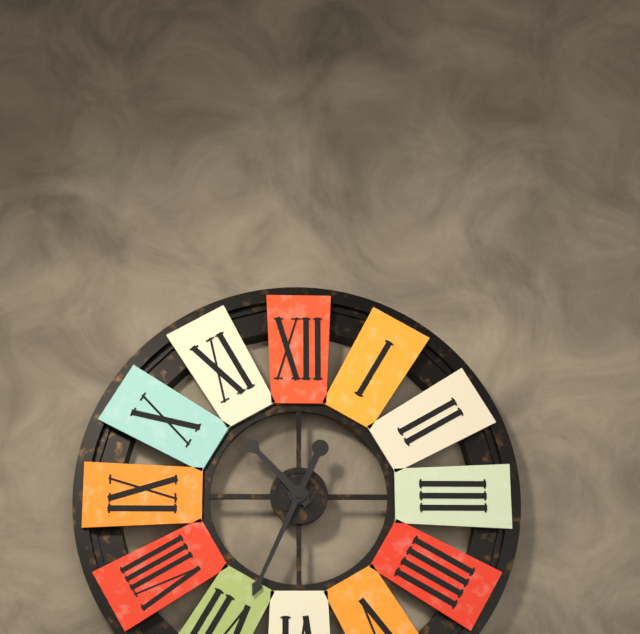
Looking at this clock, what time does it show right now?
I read 10:34
